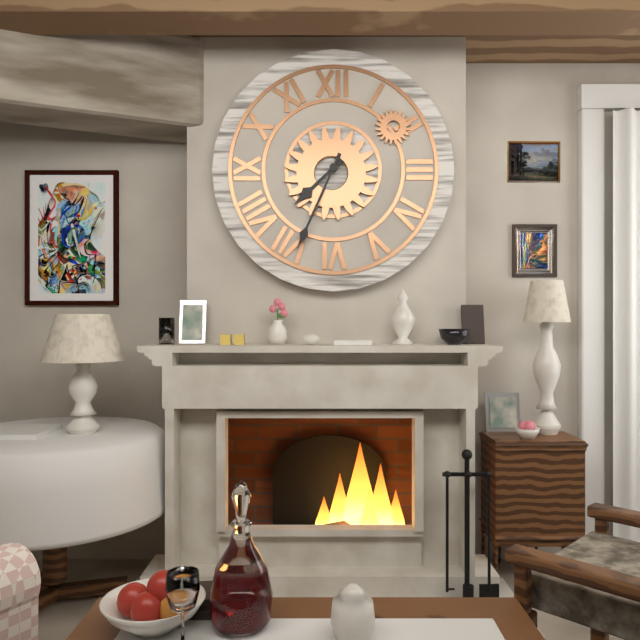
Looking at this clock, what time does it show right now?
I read 7:34
